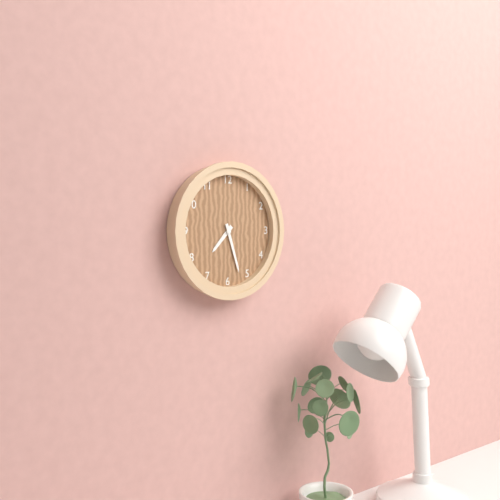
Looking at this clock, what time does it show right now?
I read 7:27
